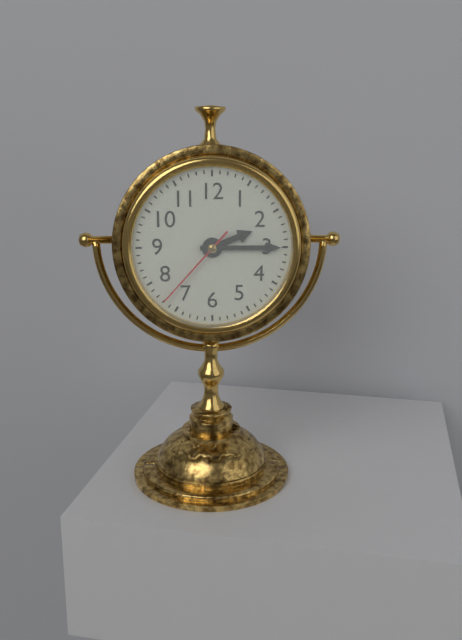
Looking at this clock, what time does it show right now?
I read 2:15:37
